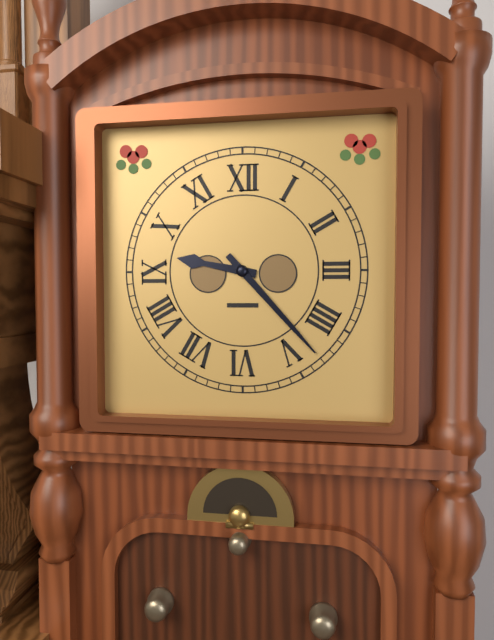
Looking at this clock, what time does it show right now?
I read 9:23
